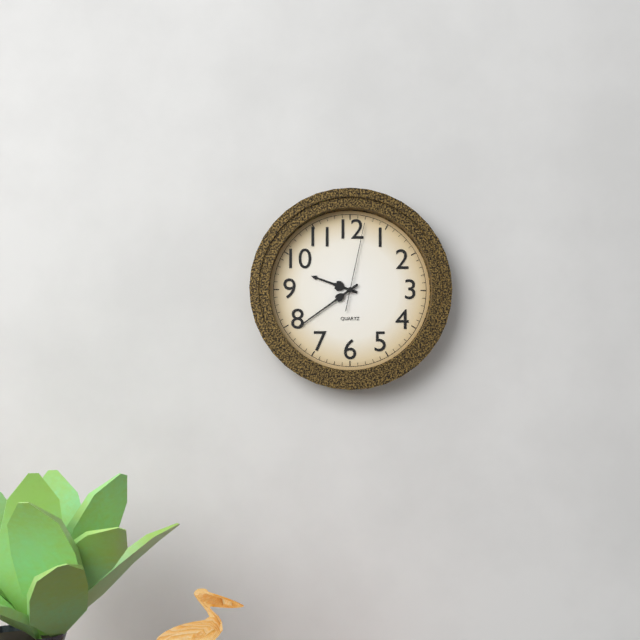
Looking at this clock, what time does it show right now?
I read 9:39:02
